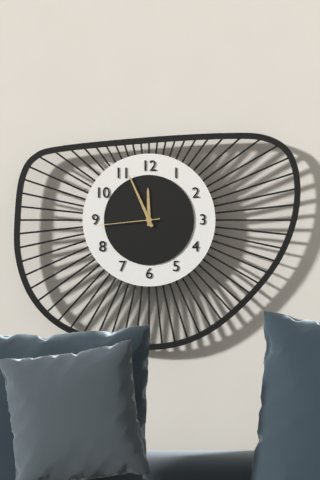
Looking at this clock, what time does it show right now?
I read 11:56:44
